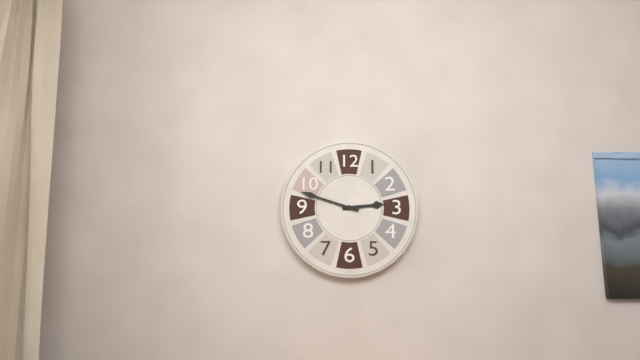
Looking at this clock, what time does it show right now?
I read 2:48
